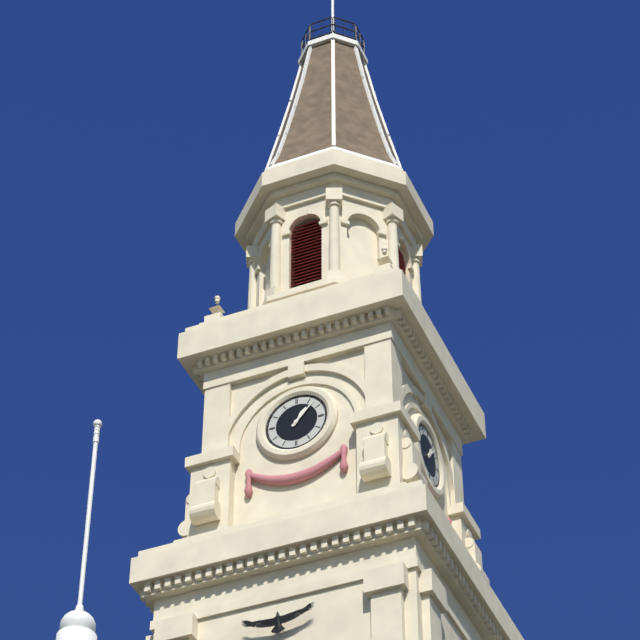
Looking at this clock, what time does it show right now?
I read 1:07
